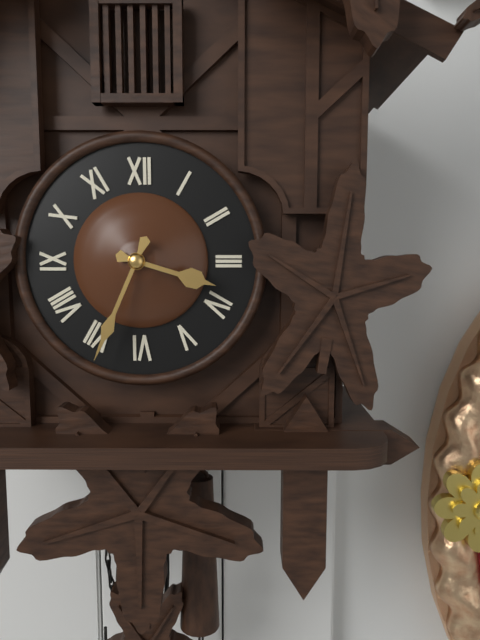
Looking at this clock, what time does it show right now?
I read 3:34
